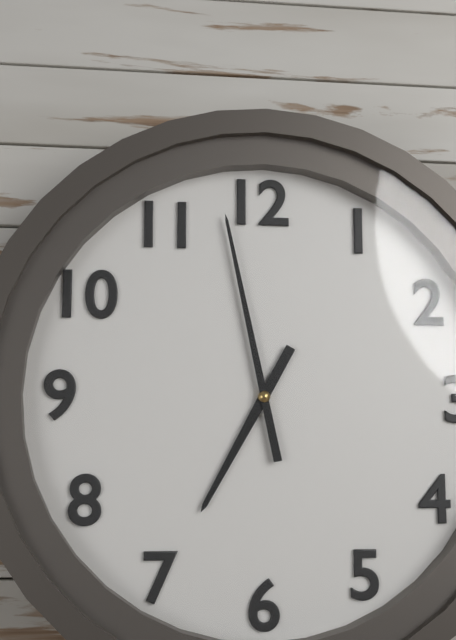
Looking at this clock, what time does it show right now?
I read 6:58
